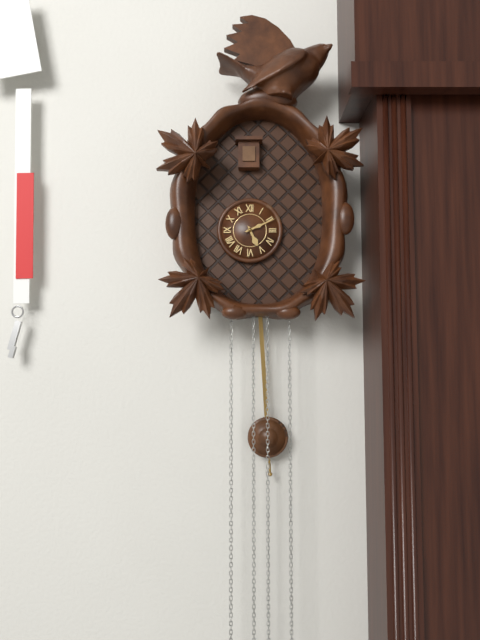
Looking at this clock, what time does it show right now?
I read 5:11
